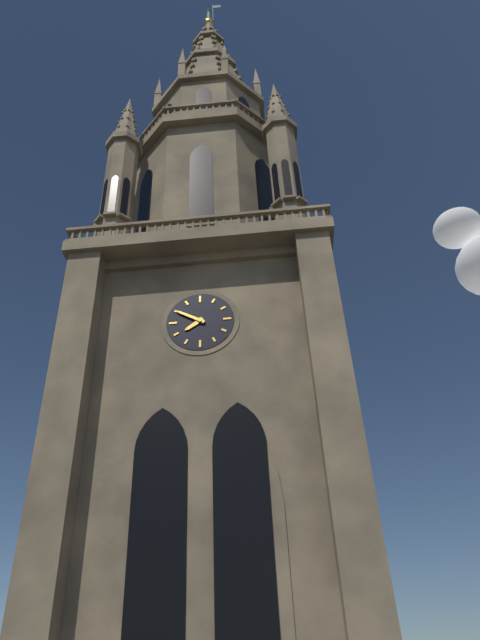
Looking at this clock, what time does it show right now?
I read 7:50
